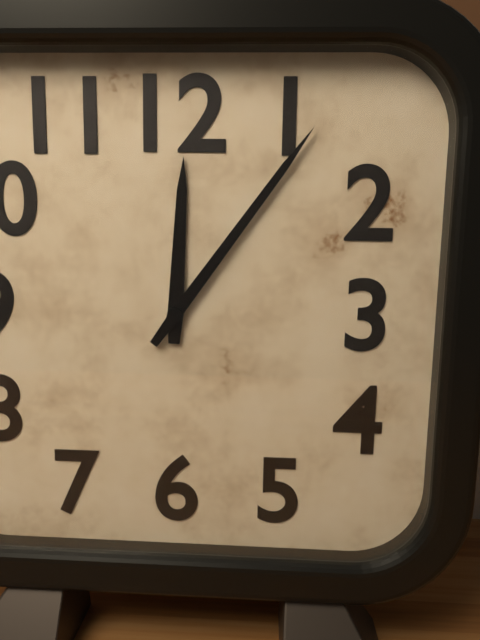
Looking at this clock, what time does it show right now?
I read 12:06
